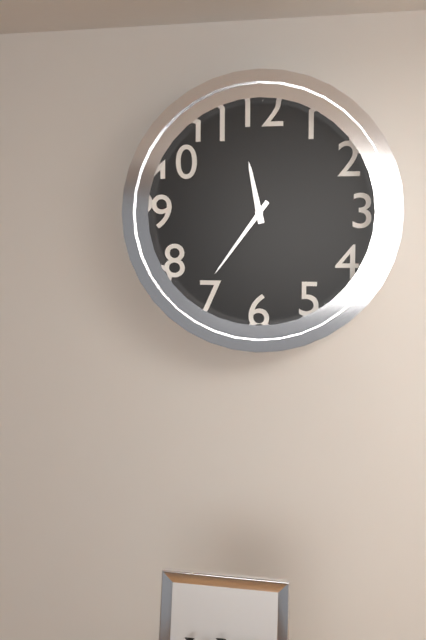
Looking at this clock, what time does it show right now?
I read 11:36
